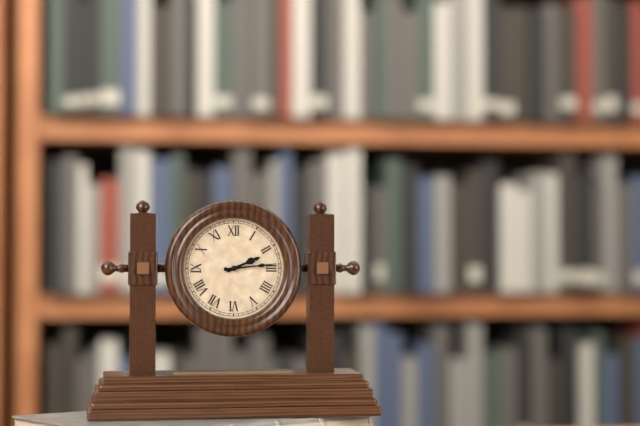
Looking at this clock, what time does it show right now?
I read 2:14
